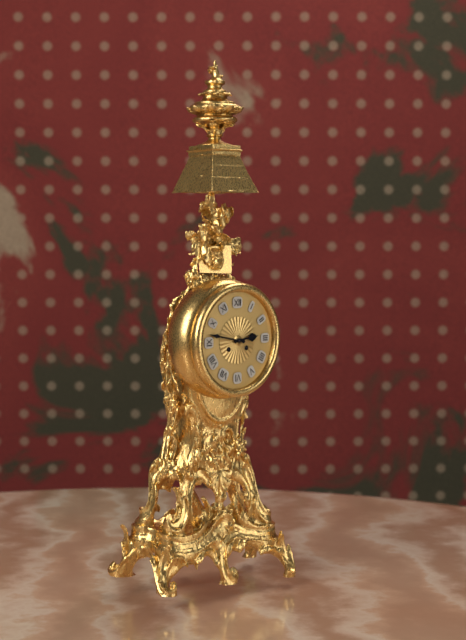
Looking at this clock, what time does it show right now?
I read 2:47
